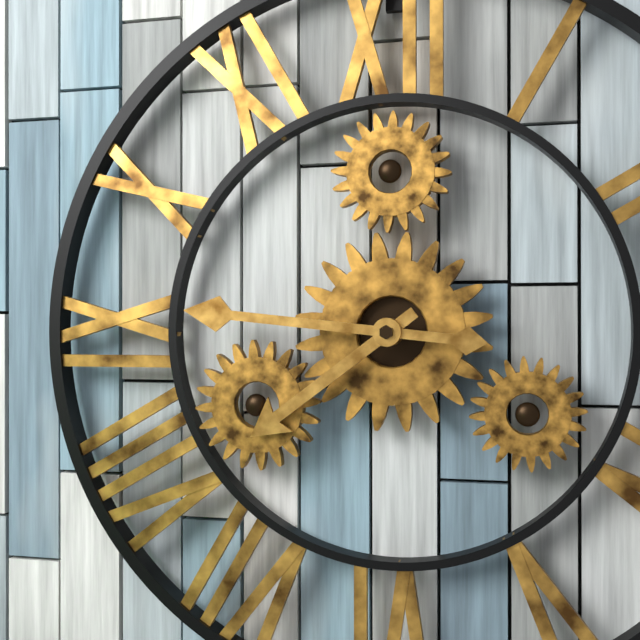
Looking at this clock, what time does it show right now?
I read 7:46
